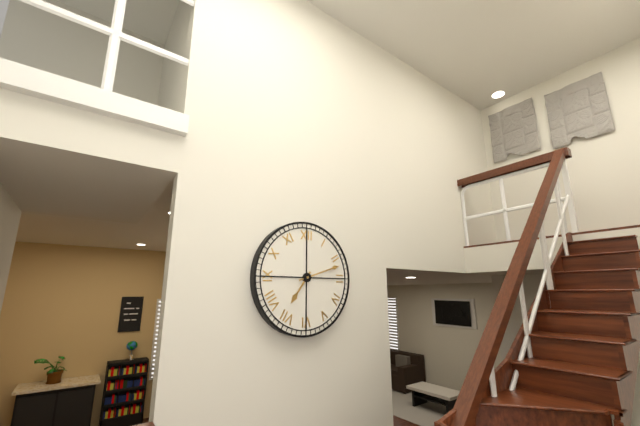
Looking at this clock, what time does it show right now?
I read 7:12
